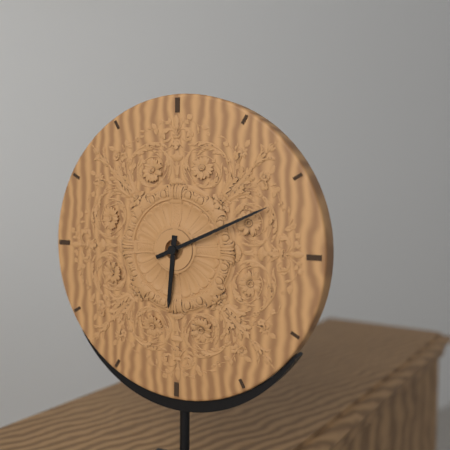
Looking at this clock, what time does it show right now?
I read 6:11
